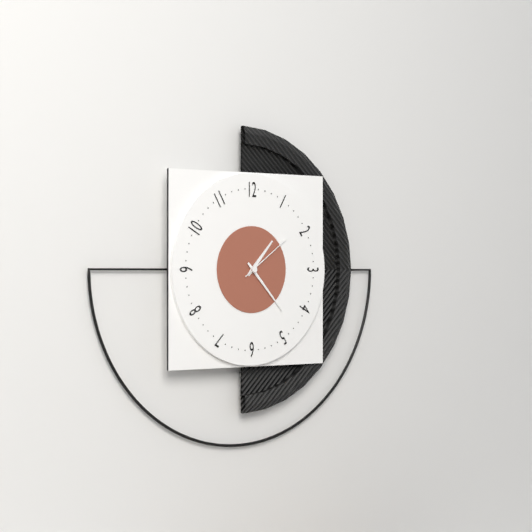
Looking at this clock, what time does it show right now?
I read 1:23:09
